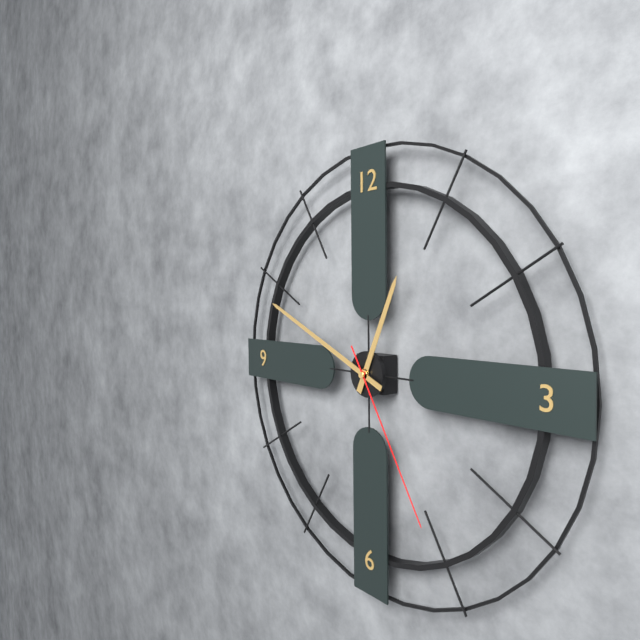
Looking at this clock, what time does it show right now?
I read 12:49:25
